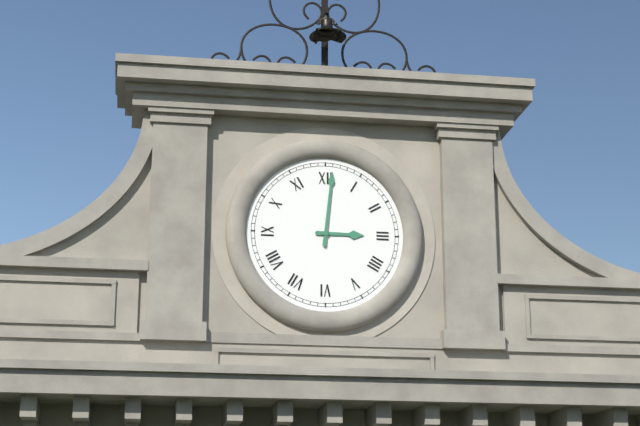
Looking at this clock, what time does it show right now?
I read 3:01
